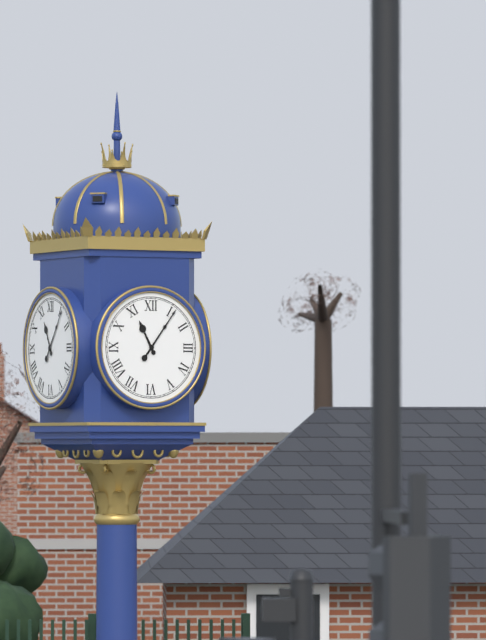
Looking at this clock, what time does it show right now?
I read 11:06
